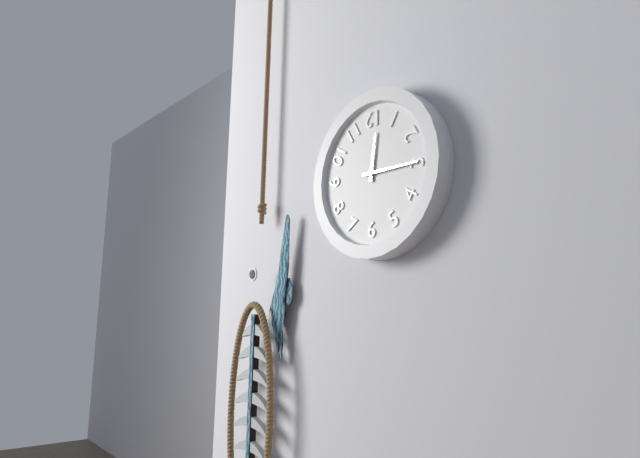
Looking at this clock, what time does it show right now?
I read 12:15
